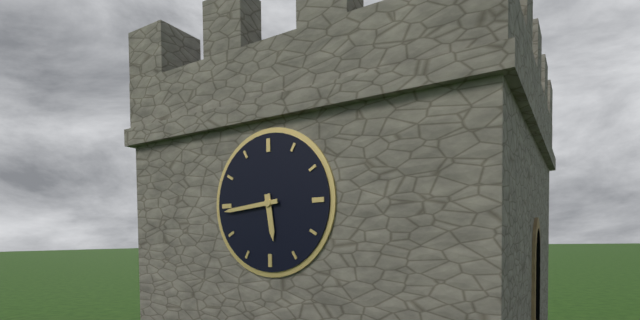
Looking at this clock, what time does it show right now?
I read 5:44
